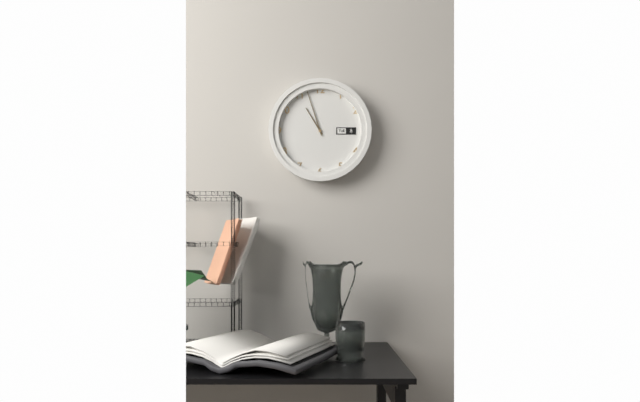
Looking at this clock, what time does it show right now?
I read 10:57
